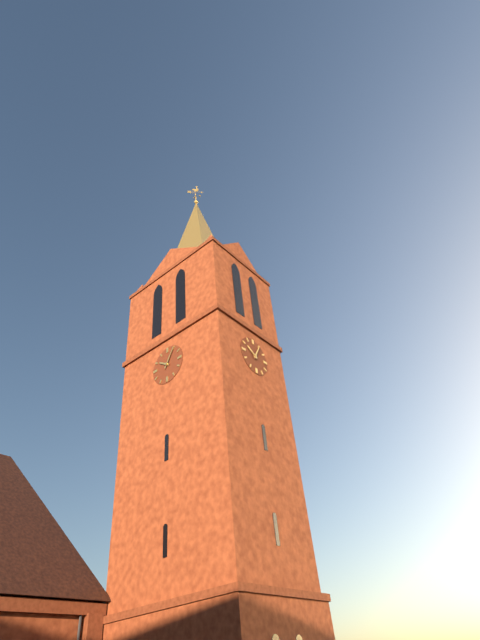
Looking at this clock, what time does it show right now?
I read 10:05
